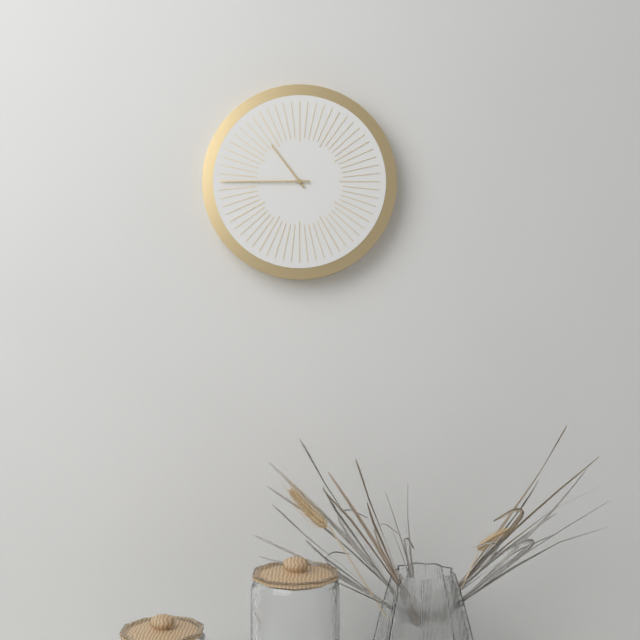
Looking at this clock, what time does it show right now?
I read 10:45
